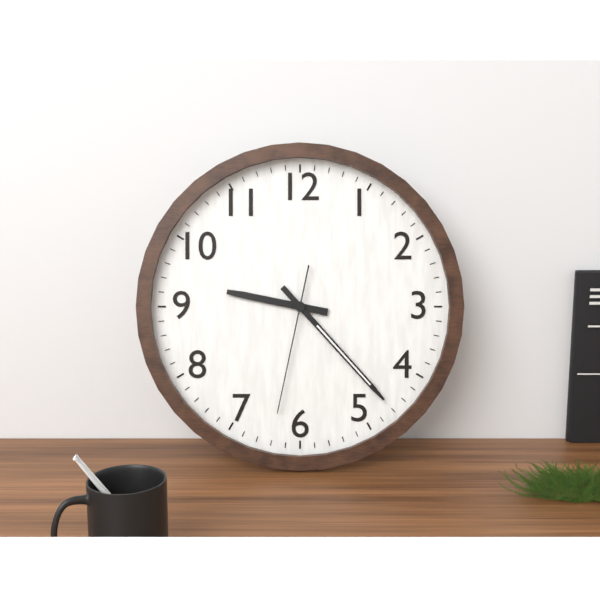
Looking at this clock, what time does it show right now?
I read 9:23:32
